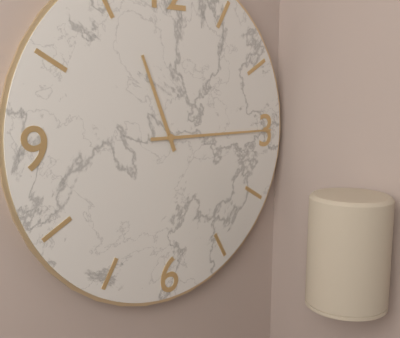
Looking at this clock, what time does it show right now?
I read 11:15
